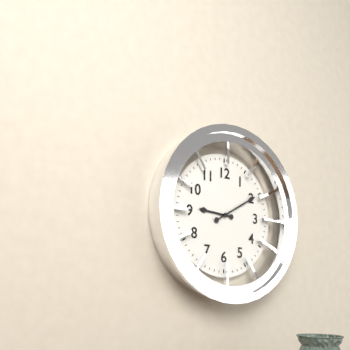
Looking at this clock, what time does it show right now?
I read 9:10
